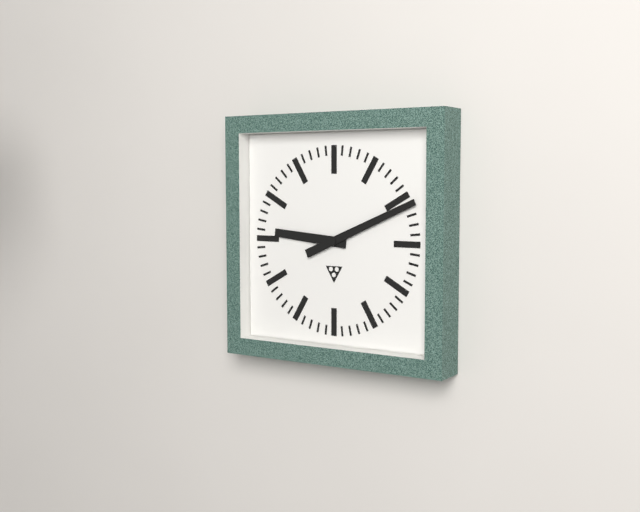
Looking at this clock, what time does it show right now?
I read 9:11
